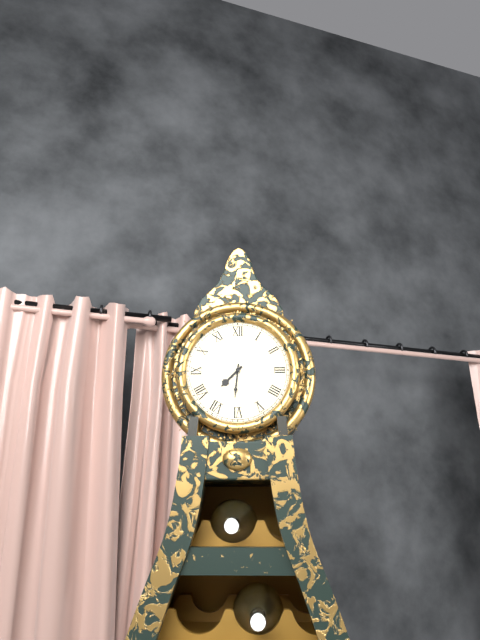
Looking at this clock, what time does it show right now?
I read 7:31
